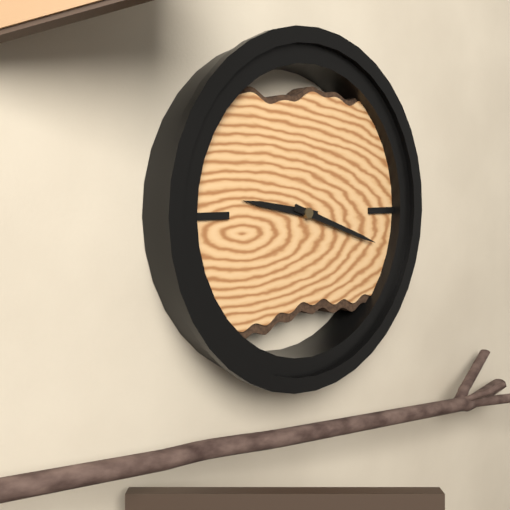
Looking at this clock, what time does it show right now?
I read 9:18
